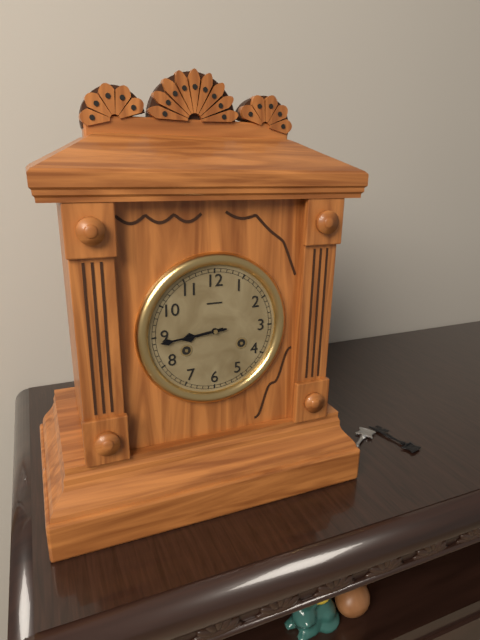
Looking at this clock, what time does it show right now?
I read 8:44
